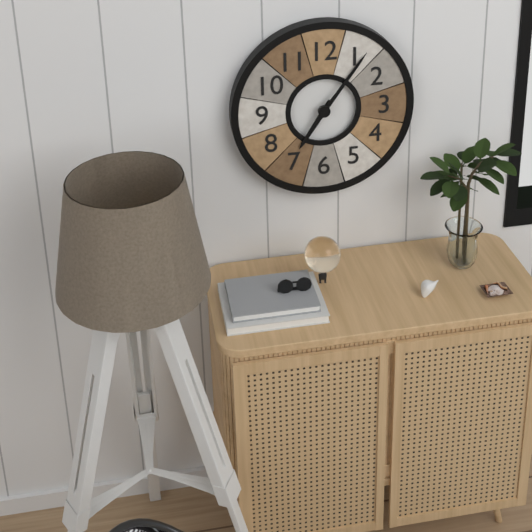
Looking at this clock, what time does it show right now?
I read 7:06
